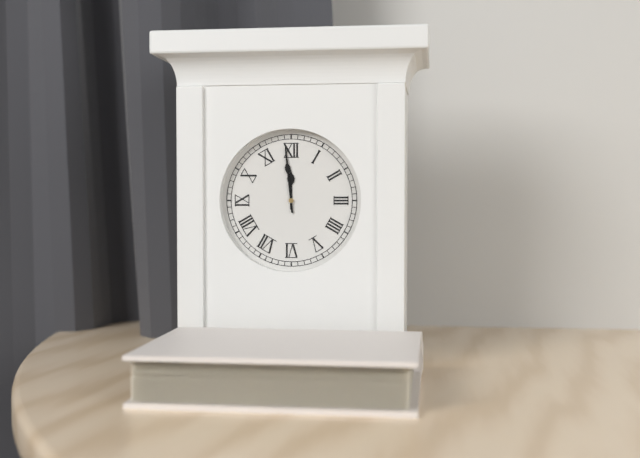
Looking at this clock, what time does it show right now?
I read 11:59
